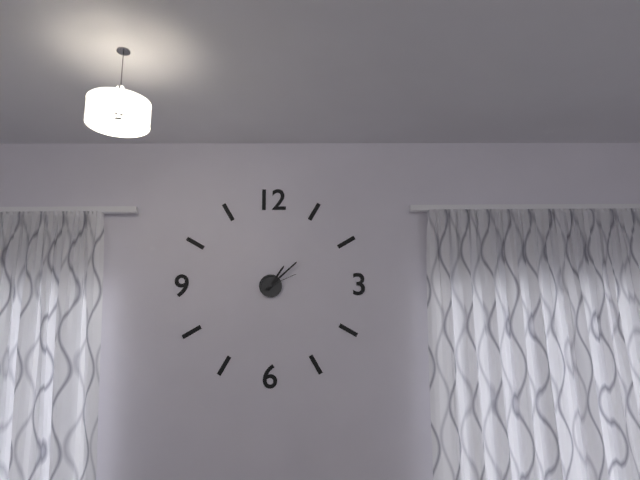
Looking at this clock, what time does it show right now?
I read 1:08
